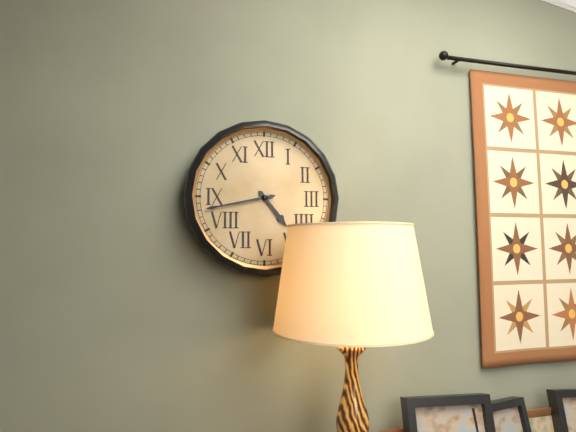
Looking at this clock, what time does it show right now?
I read 4:43
